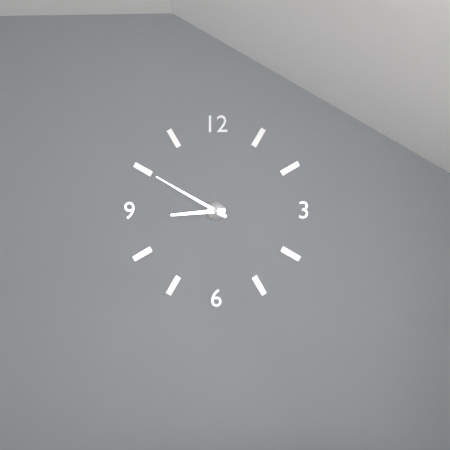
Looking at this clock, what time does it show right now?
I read 8:50
